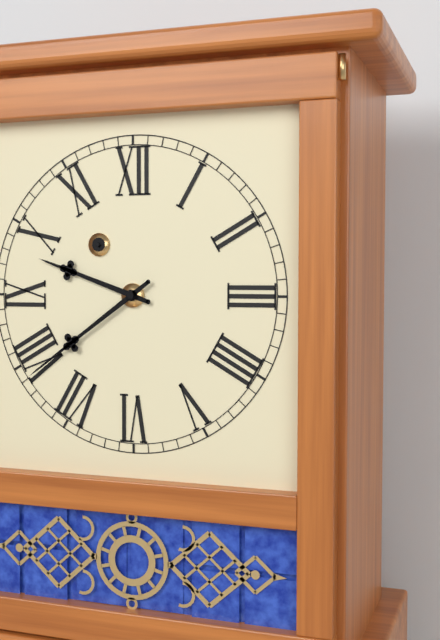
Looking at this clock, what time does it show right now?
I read 9:39
